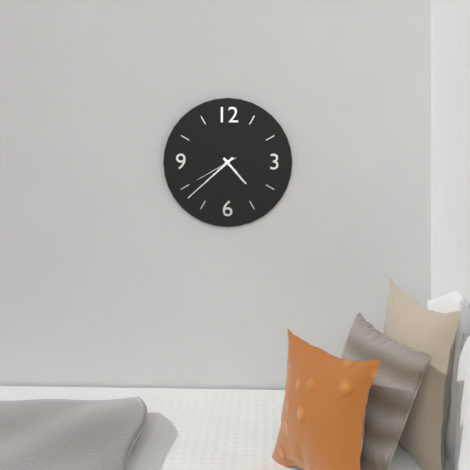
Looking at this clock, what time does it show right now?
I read 4:38
